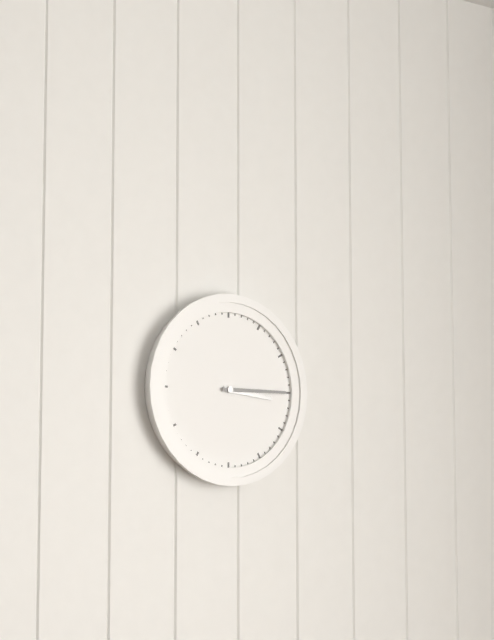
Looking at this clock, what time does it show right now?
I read 3:15
